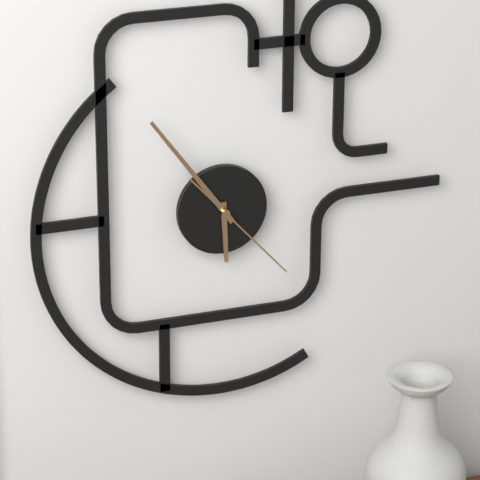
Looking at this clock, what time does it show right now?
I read 5:54:23
